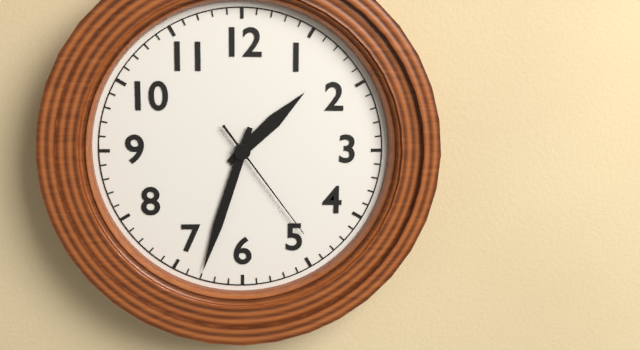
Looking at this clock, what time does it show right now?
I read 1:33:24
